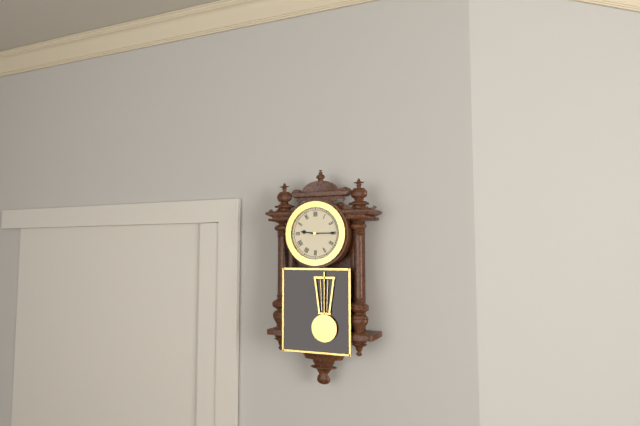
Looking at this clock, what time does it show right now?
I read 9:15
